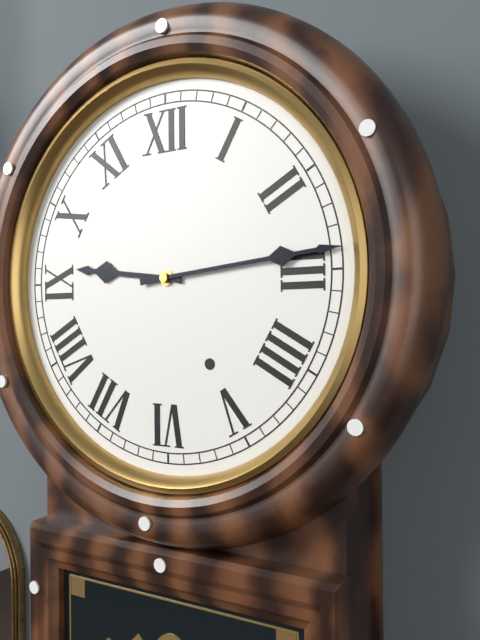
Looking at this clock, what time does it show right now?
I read 9:14
